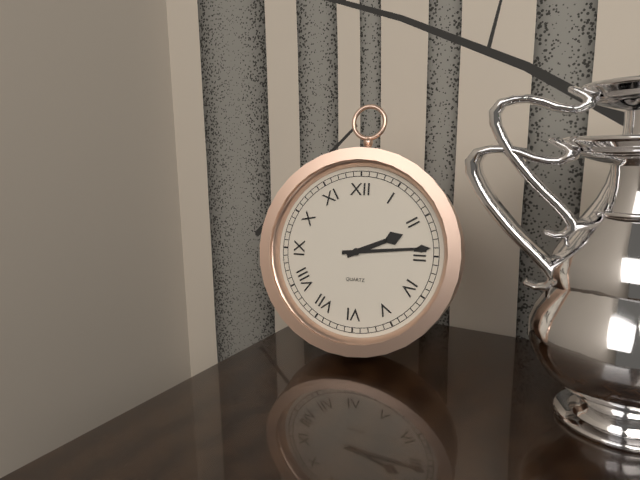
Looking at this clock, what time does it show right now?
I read 2:14
